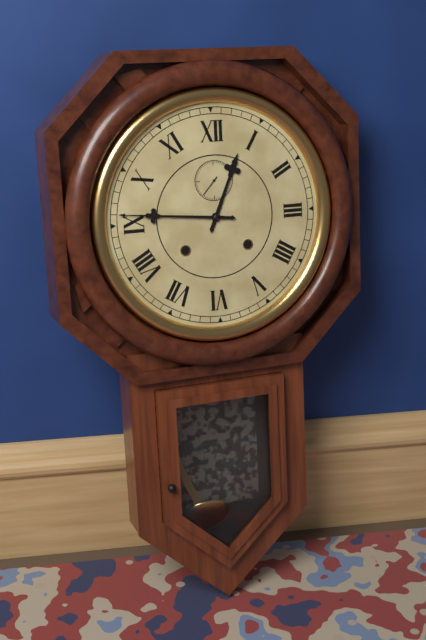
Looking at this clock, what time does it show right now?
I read 12:46
